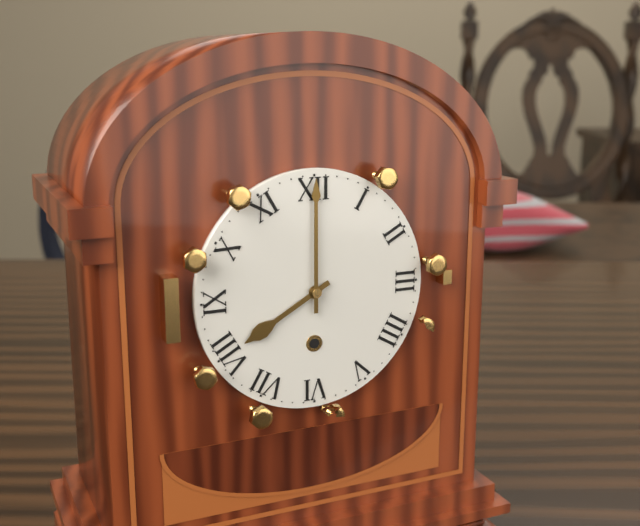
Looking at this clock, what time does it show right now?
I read 8:00
